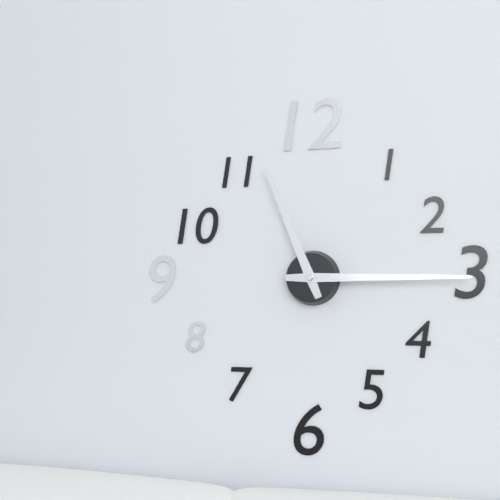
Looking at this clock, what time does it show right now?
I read 11:15
